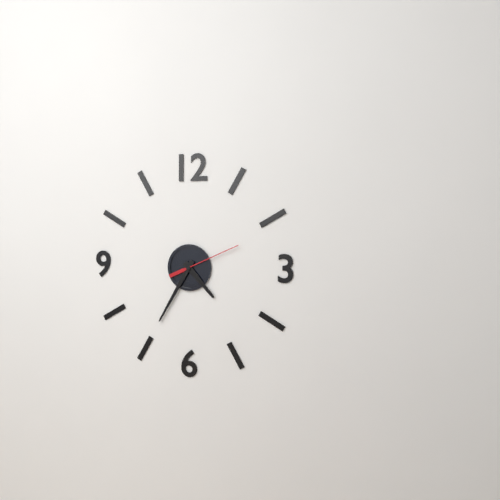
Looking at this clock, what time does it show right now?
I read 4:35:11
